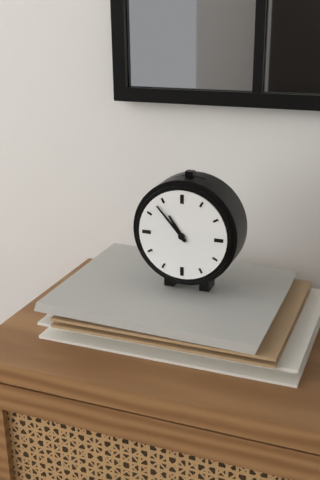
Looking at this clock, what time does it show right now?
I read 10:53
